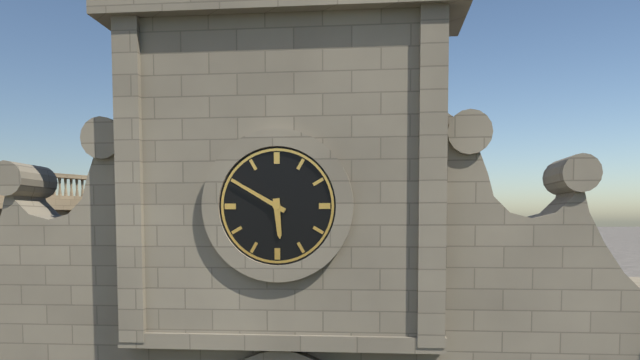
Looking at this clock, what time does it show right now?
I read 5:50
